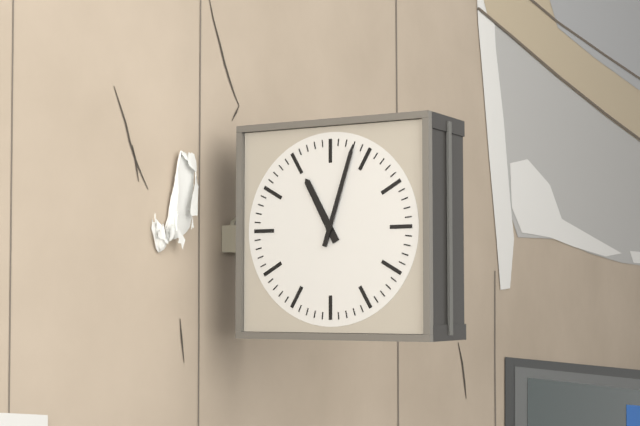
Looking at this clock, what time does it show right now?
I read 11:03
